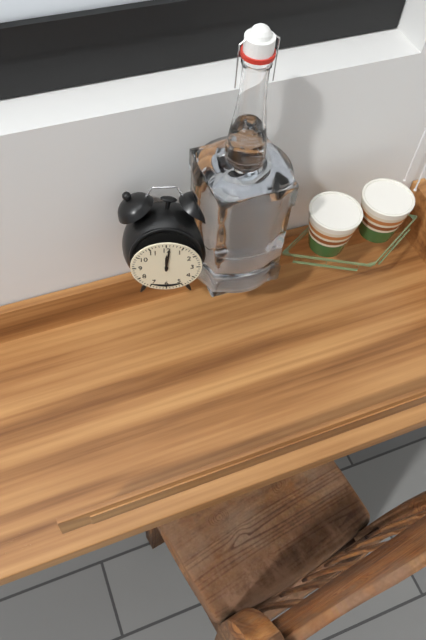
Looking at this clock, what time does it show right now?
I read 12:01
